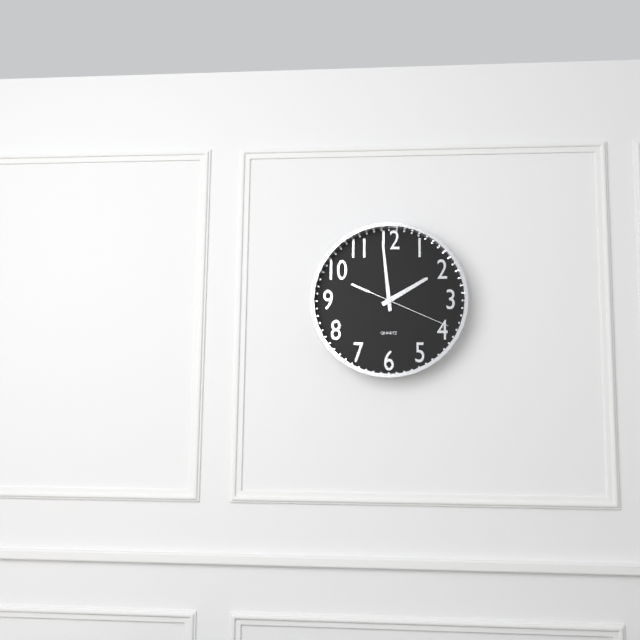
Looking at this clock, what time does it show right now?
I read 1:59:19
